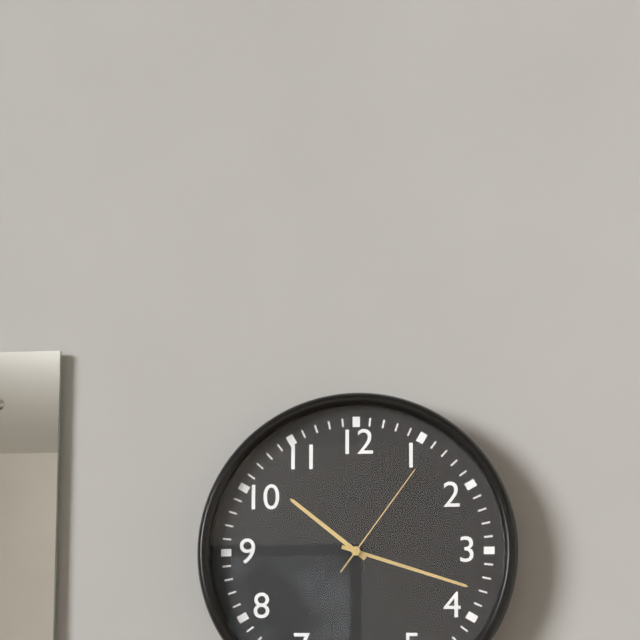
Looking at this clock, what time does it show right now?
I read 10:18:06
